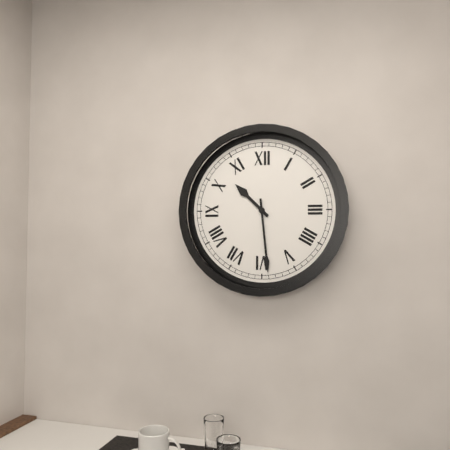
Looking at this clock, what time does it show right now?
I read 10:29
